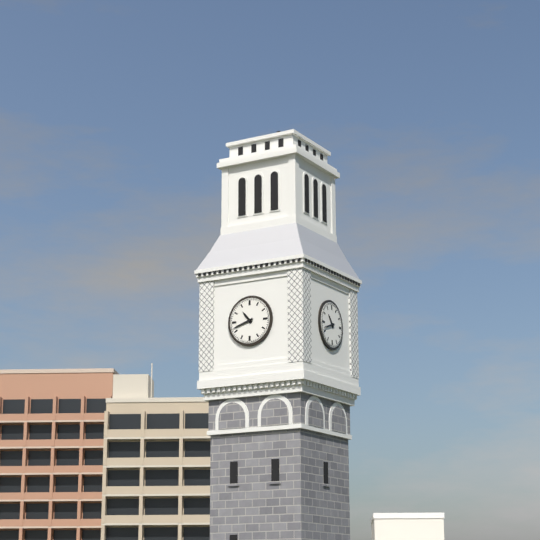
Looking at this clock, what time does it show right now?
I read 10:42
